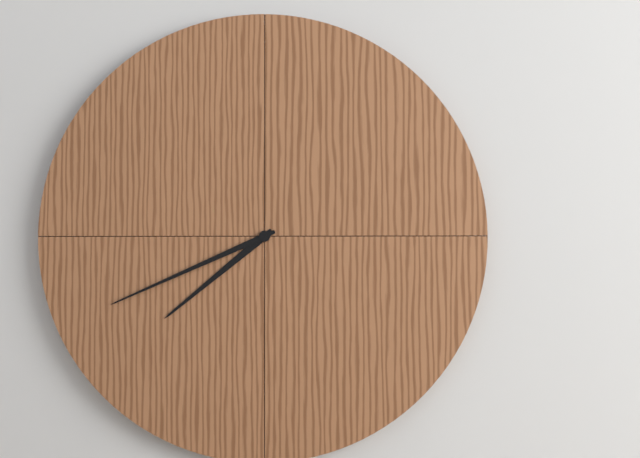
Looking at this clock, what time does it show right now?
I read 7:41
